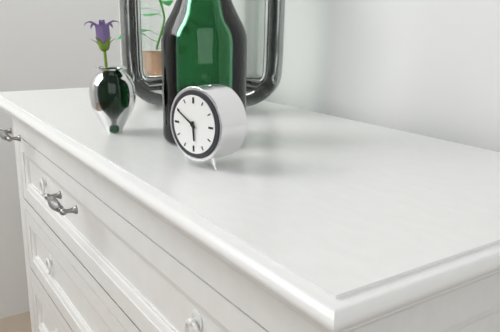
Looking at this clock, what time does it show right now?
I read 5:50
